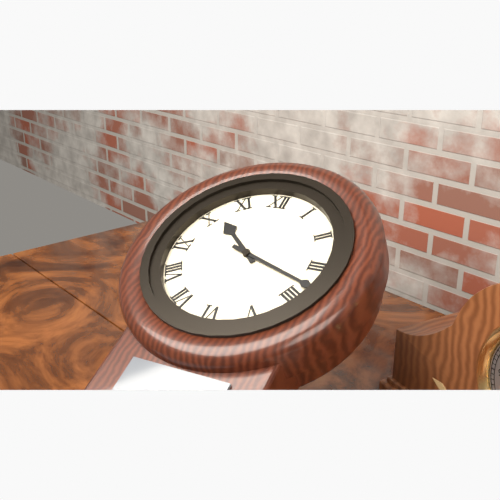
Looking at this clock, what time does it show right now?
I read 10:18
